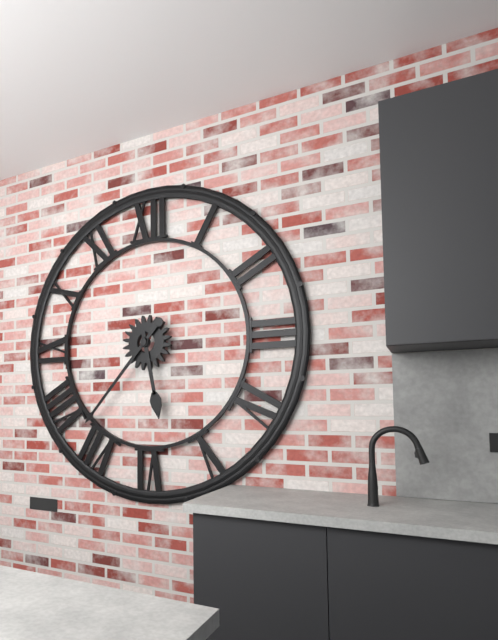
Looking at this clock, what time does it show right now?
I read 5:37
